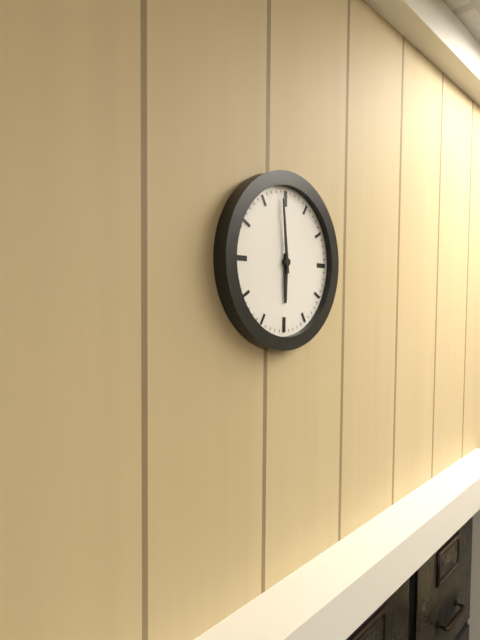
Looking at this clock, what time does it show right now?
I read 5:59
